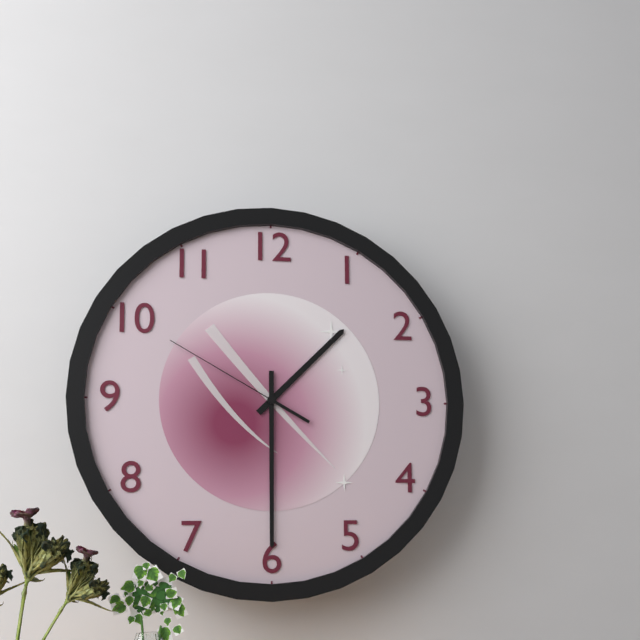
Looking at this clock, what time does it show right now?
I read 1:30:50
